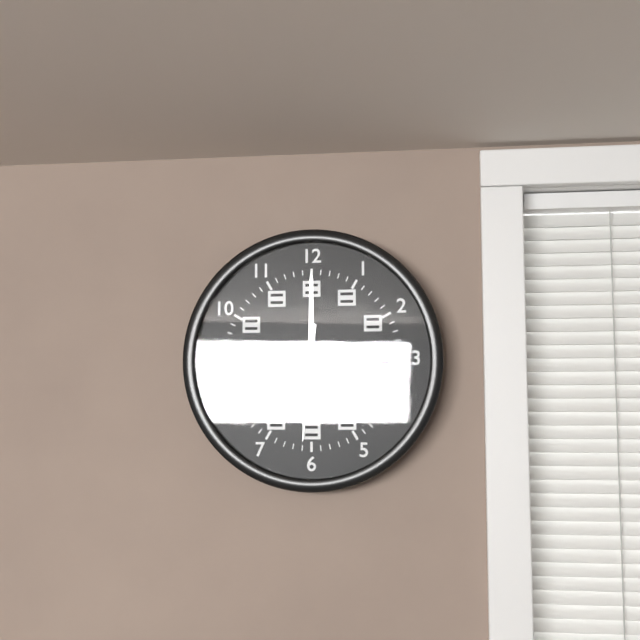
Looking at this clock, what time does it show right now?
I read 4:00:31
